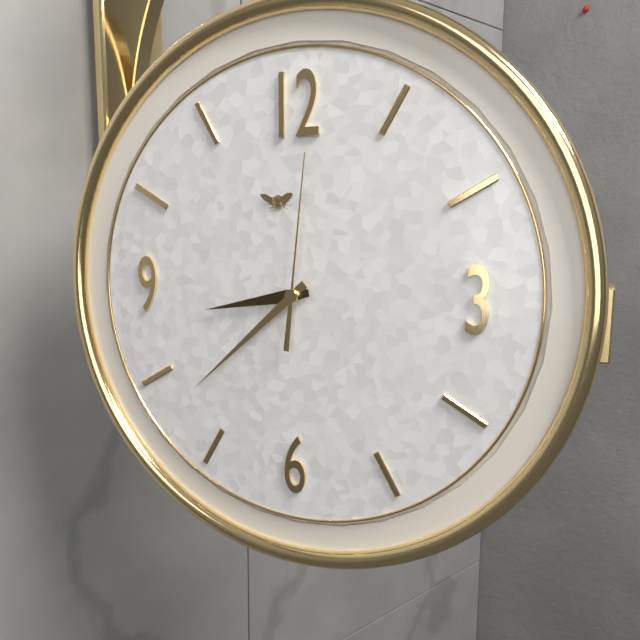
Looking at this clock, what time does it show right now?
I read 8:38:01
